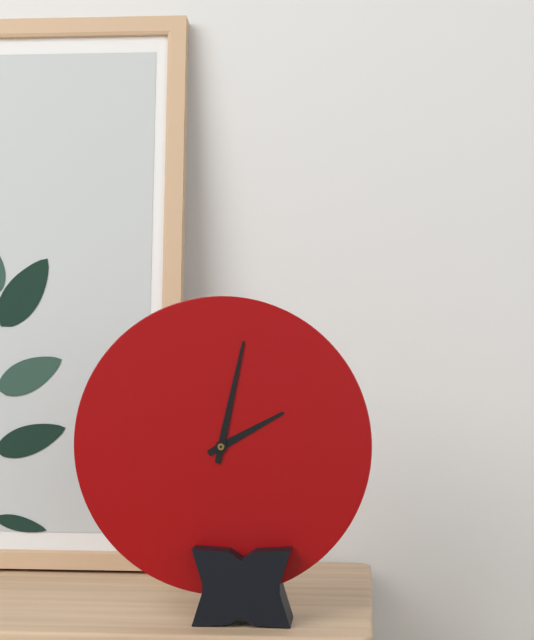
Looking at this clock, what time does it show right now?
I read 2:02
